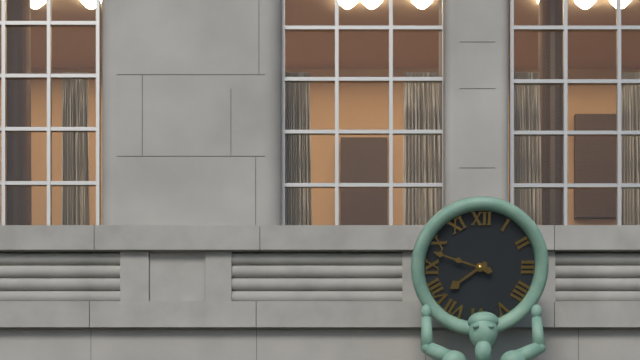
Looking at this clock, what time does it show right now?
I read 7:48
